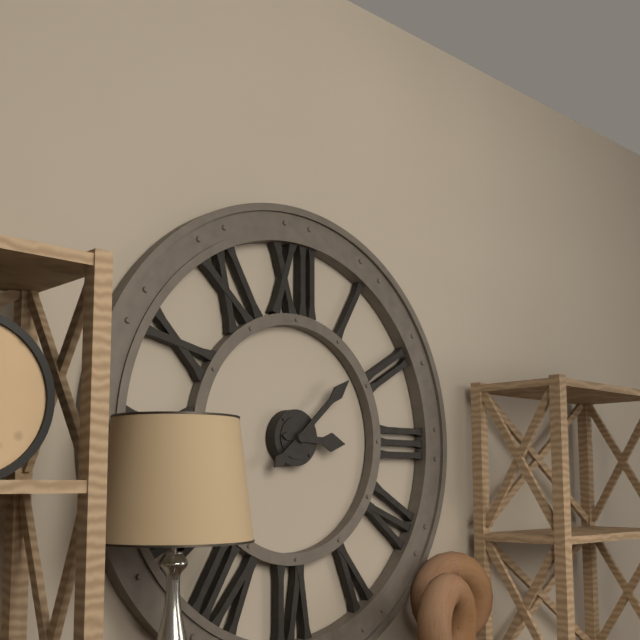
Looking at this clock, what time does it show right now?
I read 3:08
